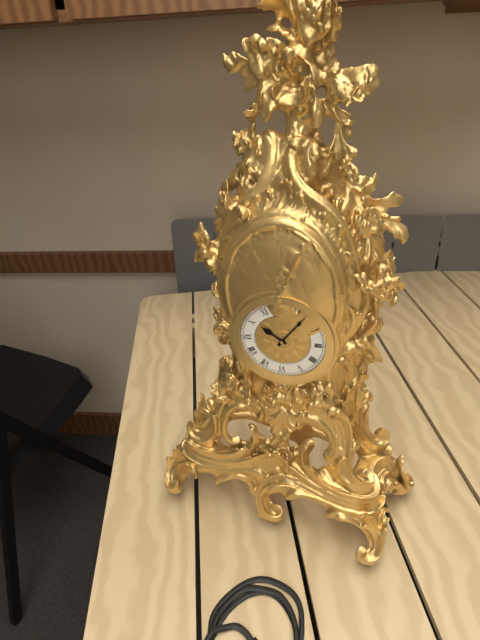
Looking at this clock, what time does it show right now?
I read 10:06
